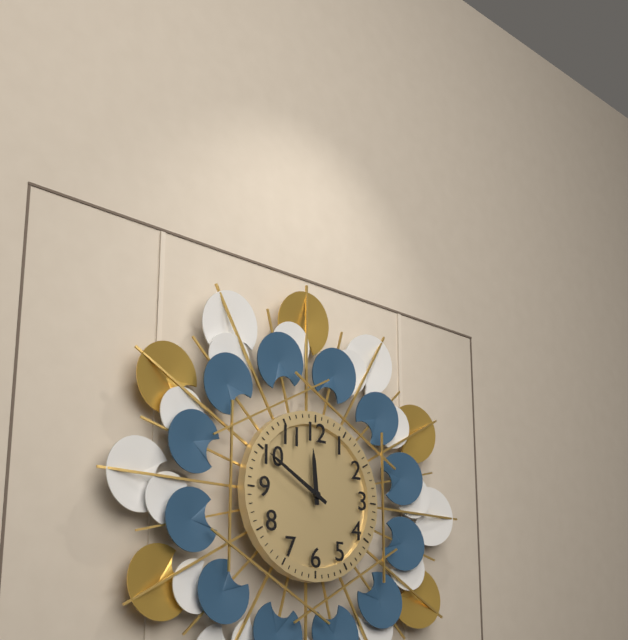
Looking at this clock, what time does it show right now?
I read 11:50
